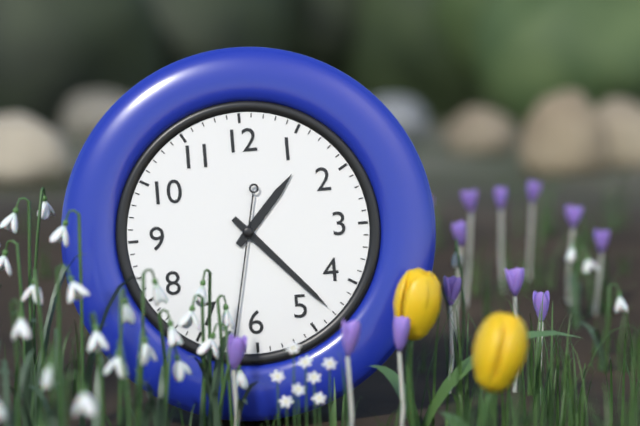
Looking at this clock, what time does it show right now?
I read 1:23:32
